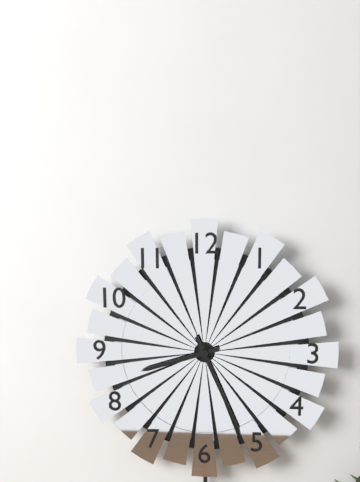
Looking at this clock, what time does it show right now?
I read 8:26
